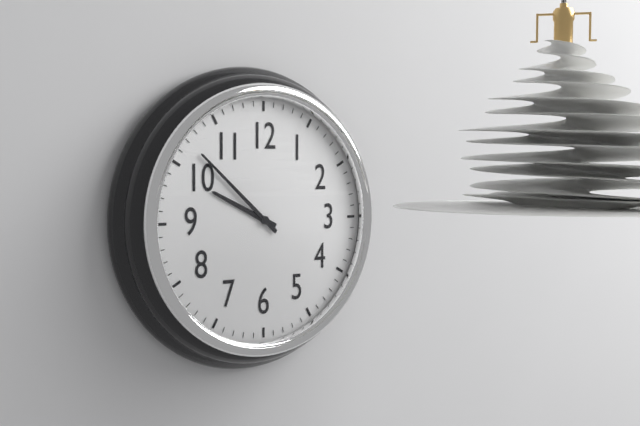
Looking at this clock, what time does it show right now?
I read 9:52
